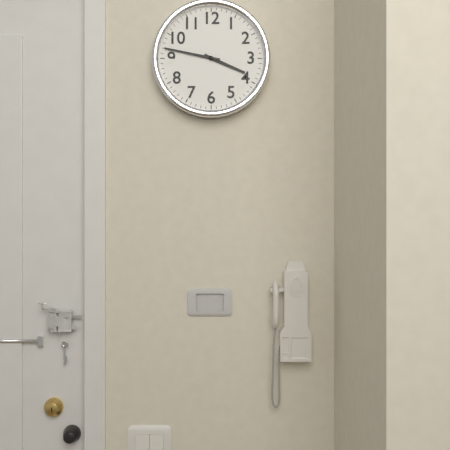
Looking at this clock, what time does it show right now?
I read 3:47
